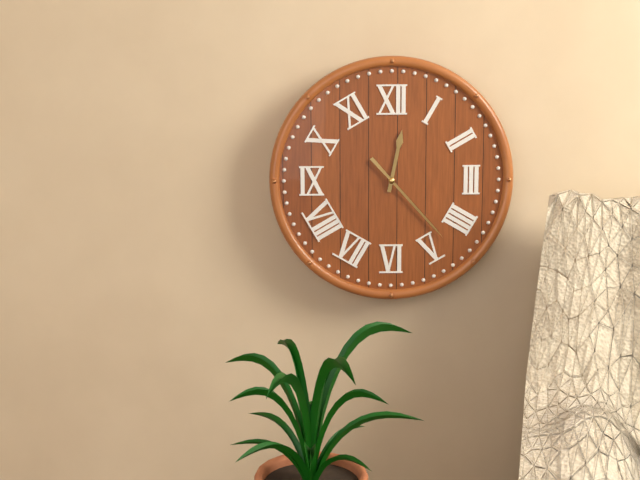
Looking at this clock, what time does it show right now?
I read 12:23
